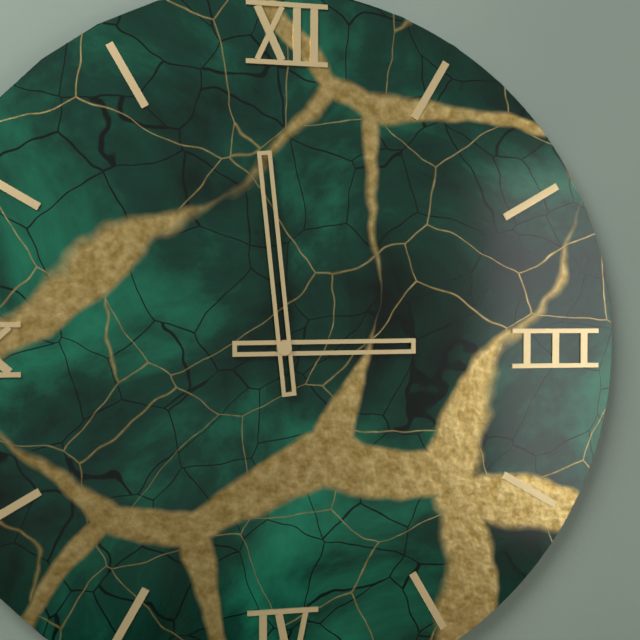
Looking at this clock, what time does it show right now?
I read 2:59
